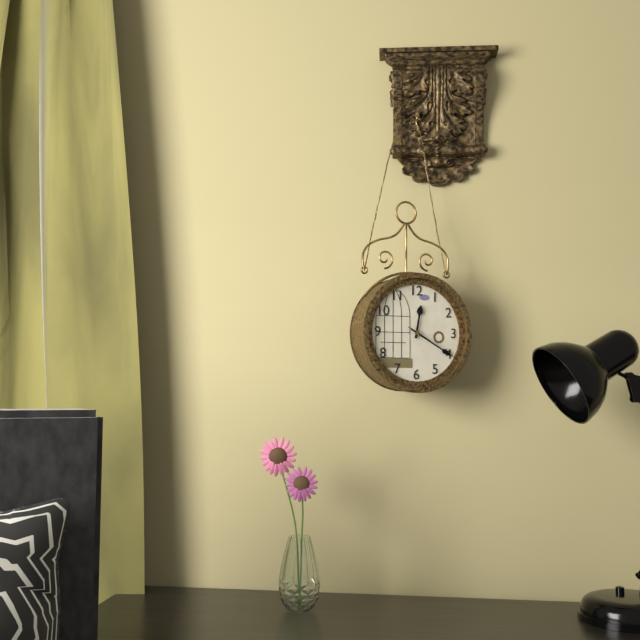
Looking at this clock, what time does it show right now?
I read 12:20:20
